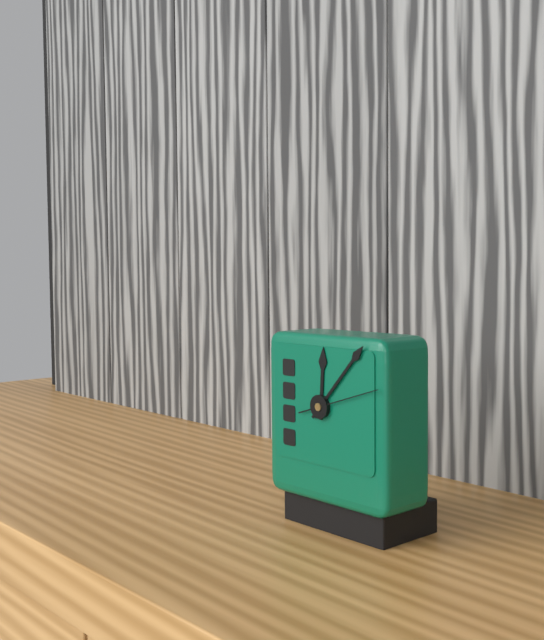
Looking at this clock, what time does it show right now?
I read 12:07:12
